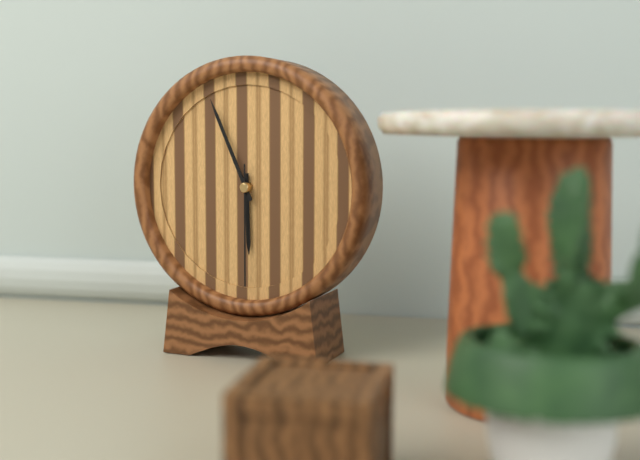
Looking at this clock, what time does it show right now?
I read 5:56:30
